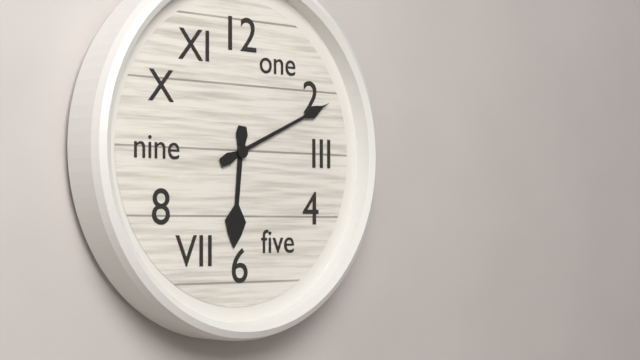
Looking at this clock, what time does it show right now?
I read 6:11
